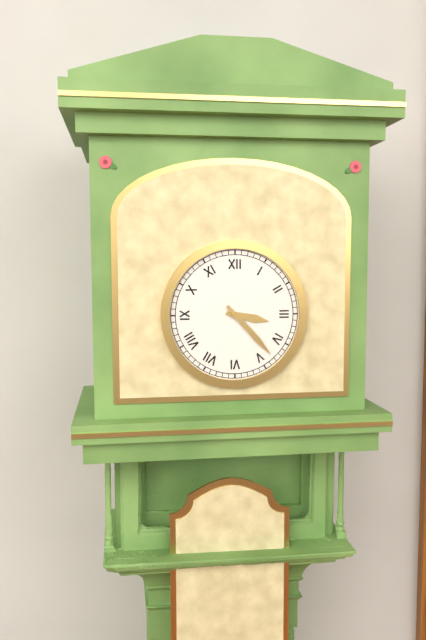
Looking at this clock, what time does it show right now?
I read 3:23
